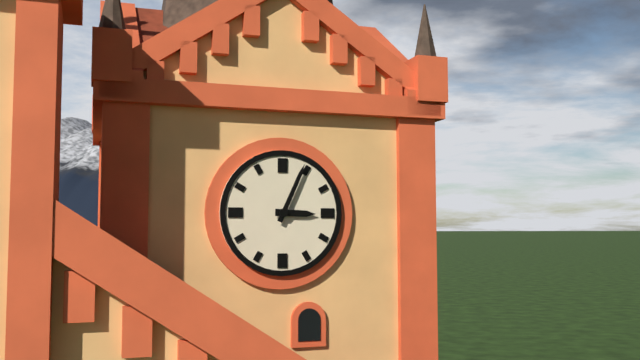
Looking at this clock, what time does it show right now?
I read 3:04
